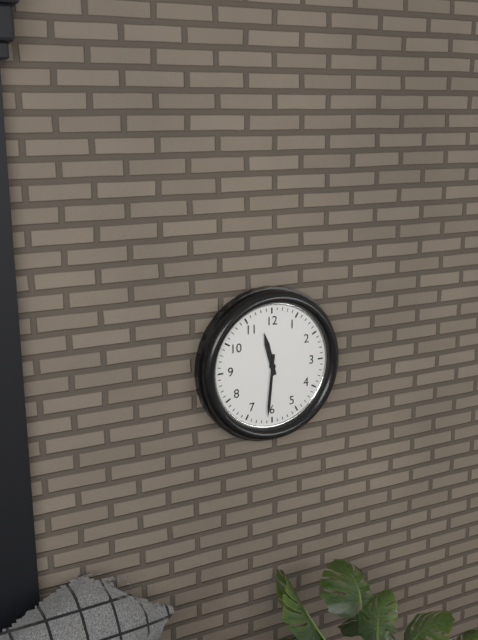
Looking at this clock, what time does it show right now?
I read 11:31
